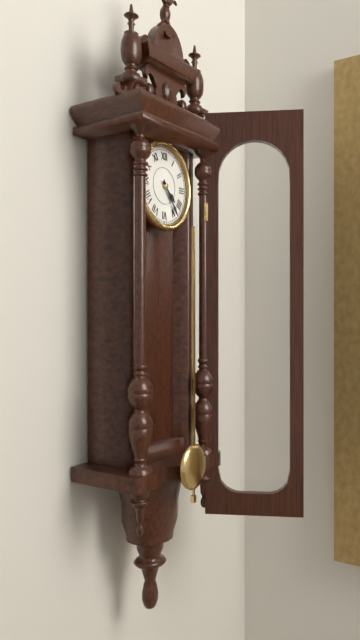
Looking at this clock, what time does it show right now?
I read 4:24
